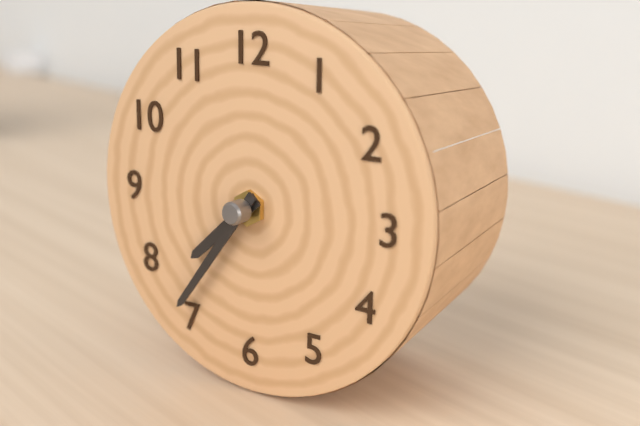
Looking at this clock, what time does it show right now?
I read 7:36
